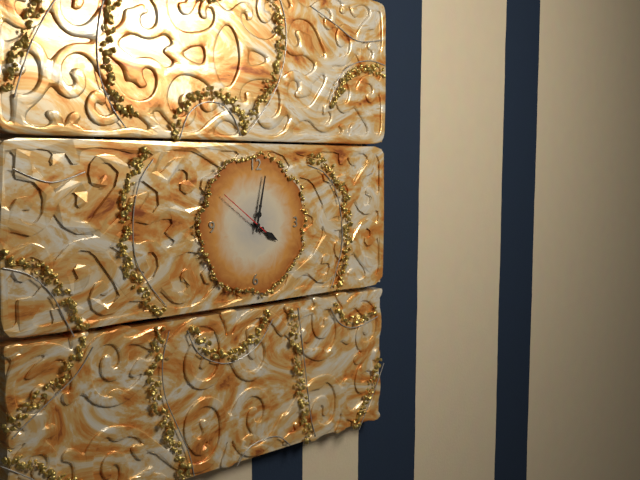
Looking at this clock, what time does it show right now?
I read 4:02
